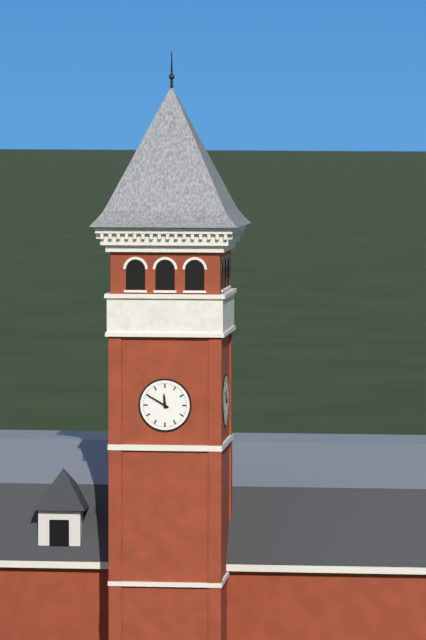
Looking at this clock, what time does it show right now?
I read 11:50
